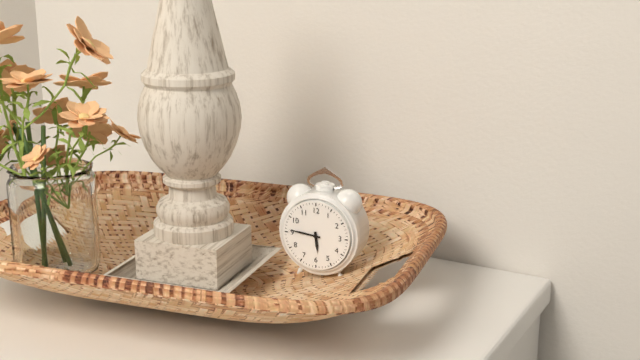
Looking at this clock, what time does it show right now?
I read 5:46
